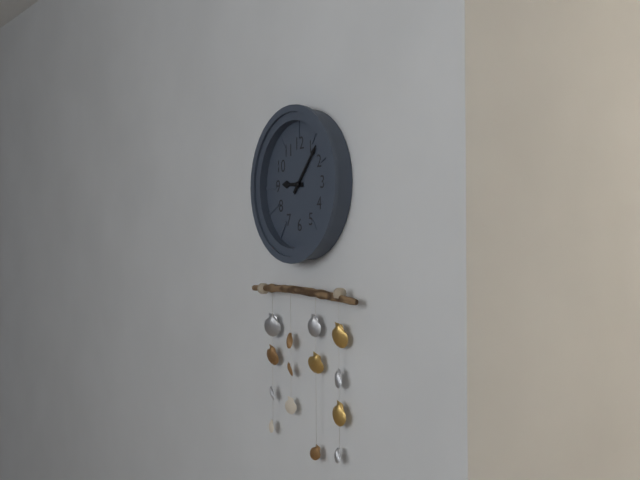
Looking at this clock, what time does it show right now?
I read 9:07
